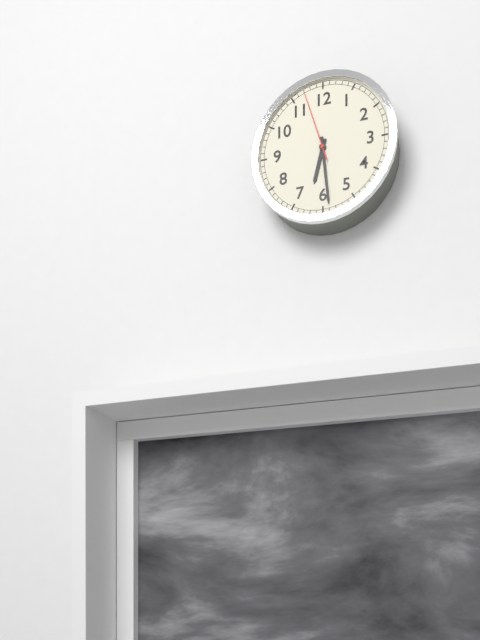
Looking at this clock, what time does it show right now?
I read 6:29:57
